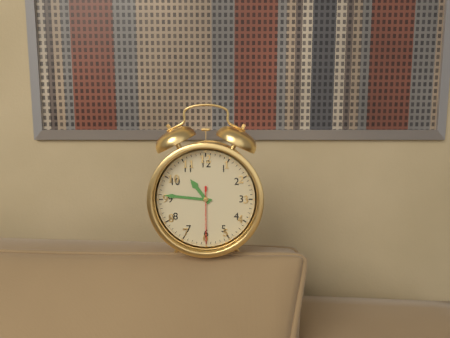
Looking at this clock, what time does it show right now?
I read 10:46:30
